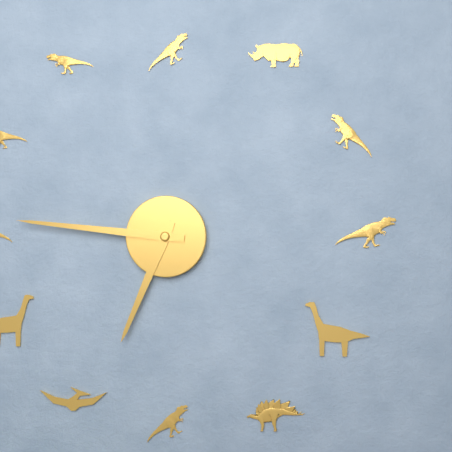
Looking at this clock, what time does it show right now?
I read 6:46
